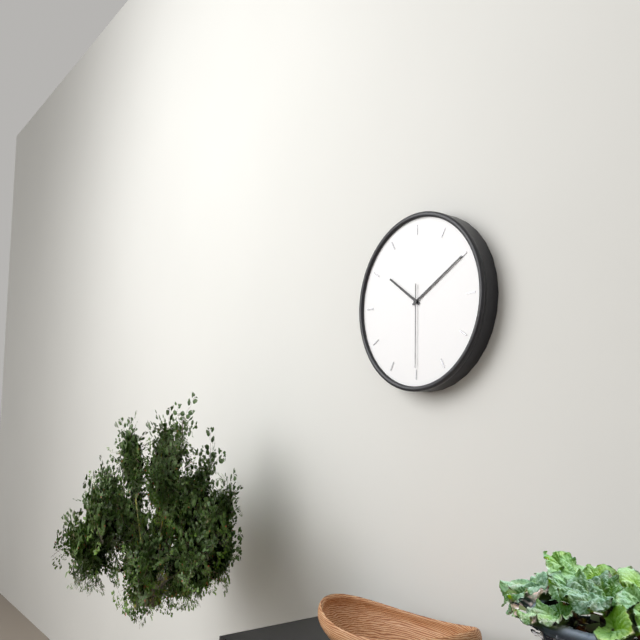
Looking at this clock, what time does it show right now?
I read 10:10:30
